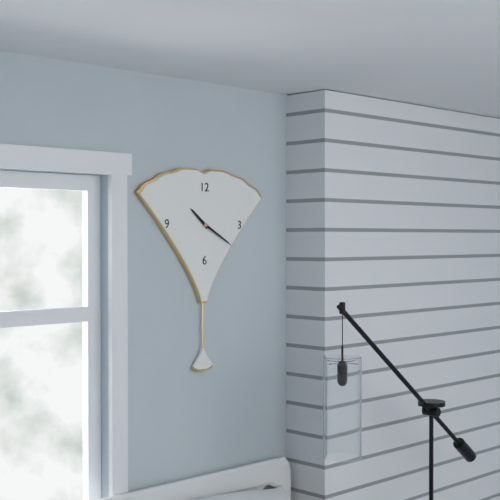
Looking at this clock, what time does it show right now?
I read 10:20
